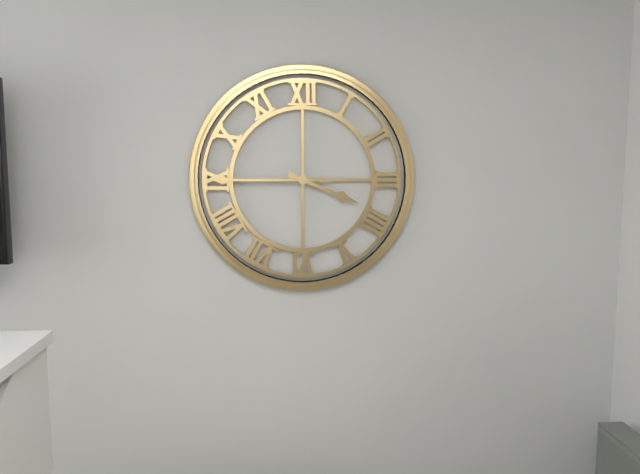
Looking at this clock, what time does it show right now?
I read 3:45
